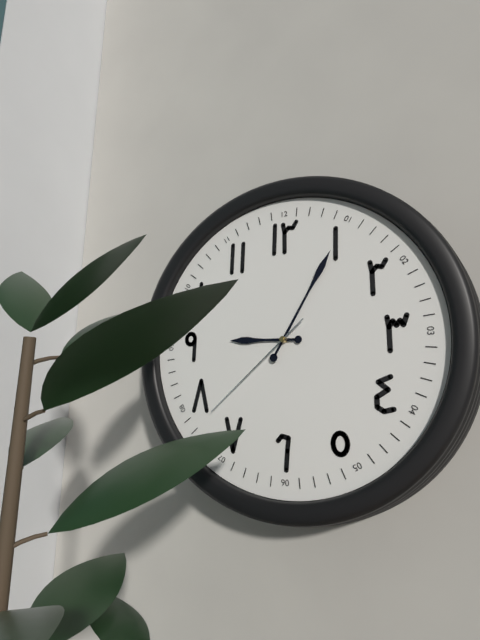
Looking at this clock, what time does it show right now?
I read 9:05:38
